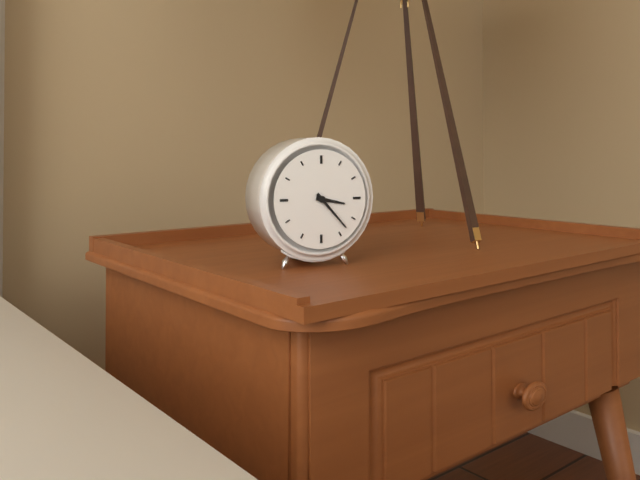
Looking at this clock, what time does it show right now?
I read 3:23
